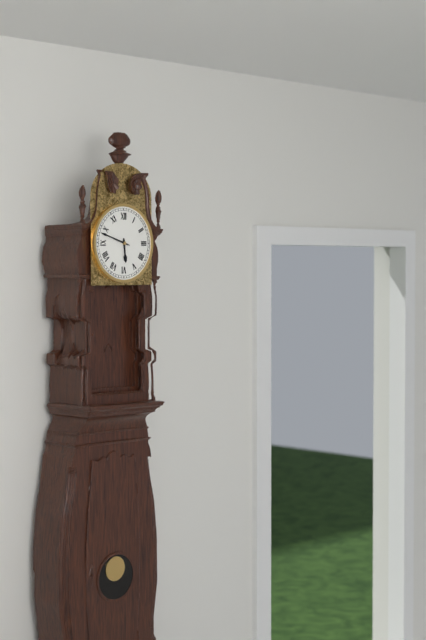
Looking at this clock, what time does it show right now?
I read 5:48
